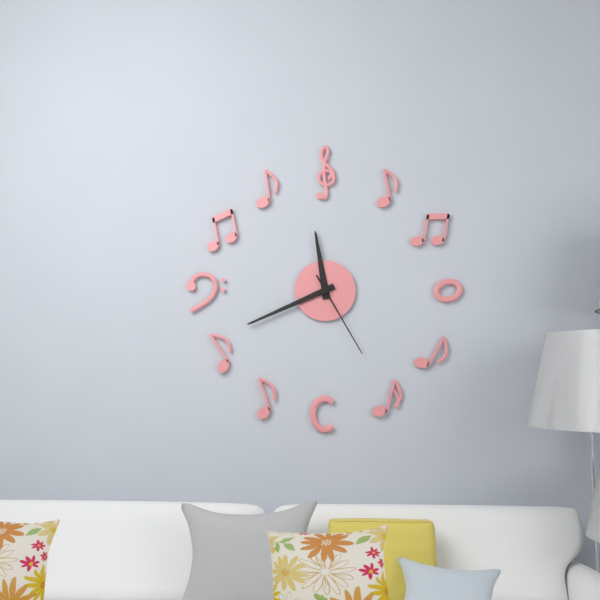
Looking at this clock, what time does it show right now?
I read 11:41:25
